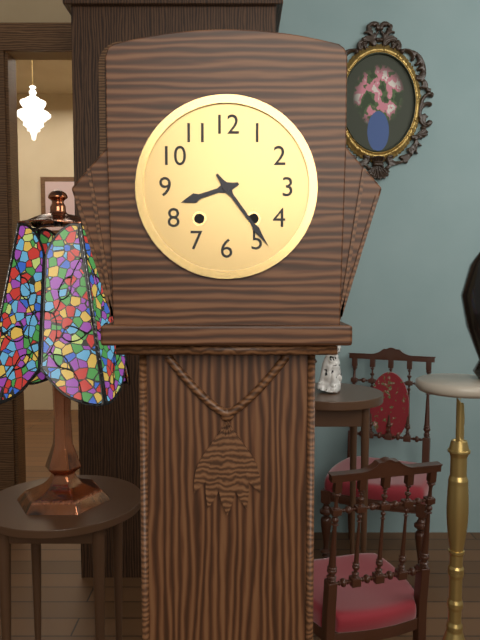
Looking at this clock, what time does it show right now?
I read 8:24
